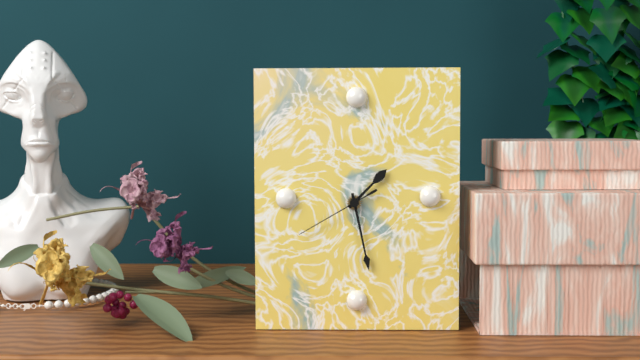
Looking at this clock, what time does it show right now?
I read 1:28:40
